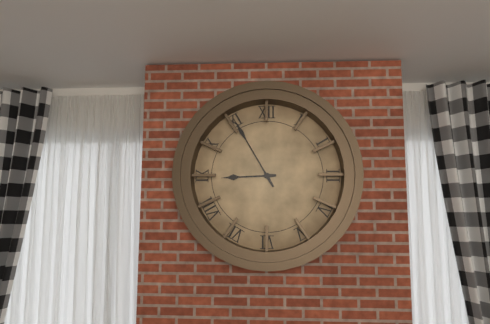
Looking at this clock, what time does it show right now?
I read 8:55
